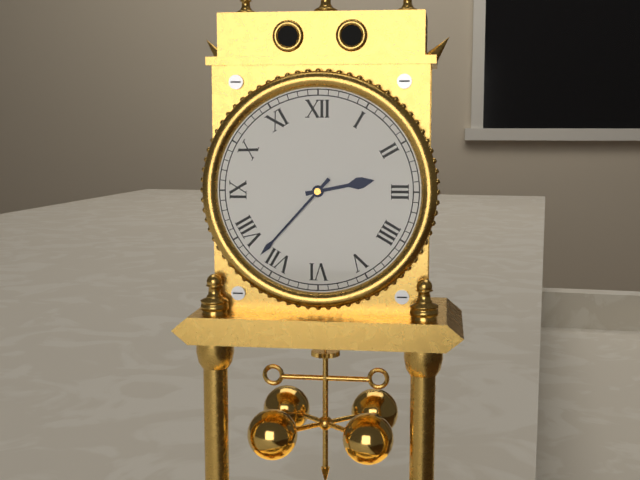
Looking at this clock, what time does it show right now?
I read 2:37
